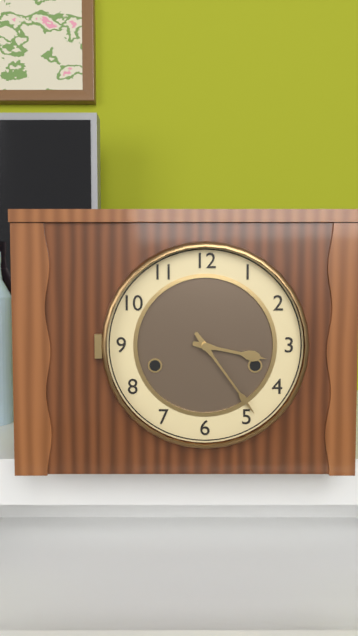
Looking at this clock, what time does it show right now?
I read 3:24
